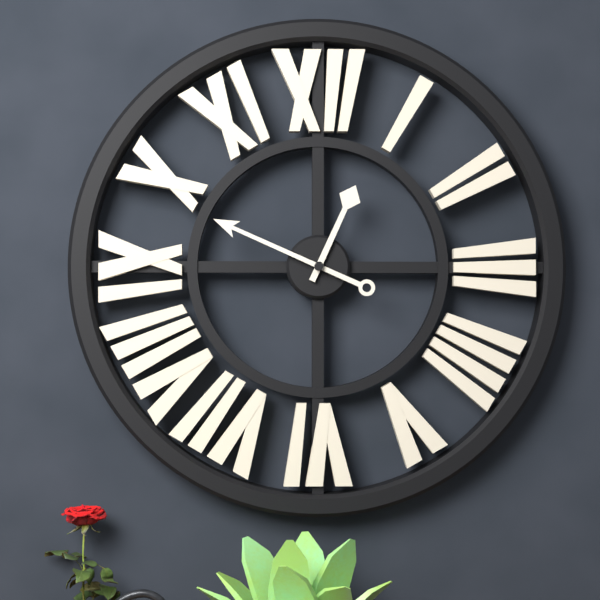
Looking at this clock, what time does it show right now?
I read 12:49
